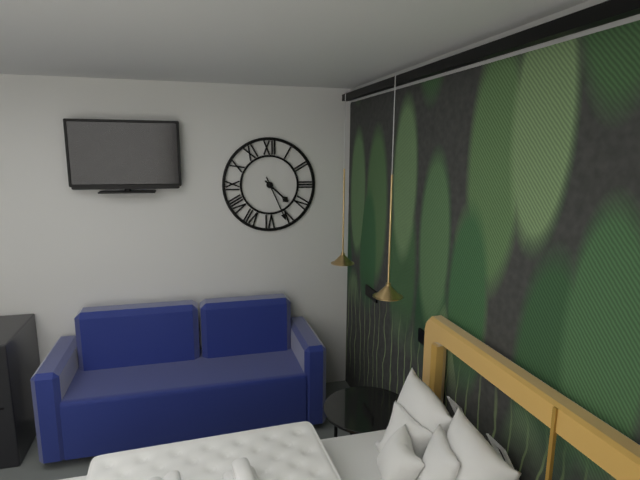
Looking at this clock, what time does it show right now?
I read 4:26
